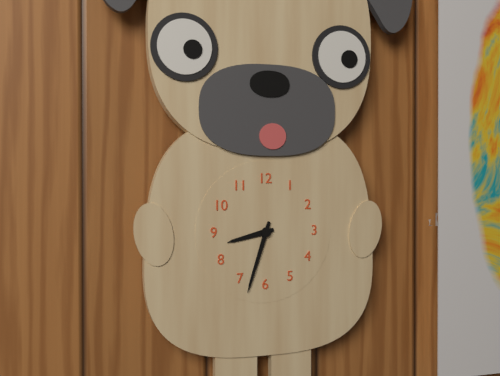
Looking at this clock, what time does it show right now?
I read 8:33
